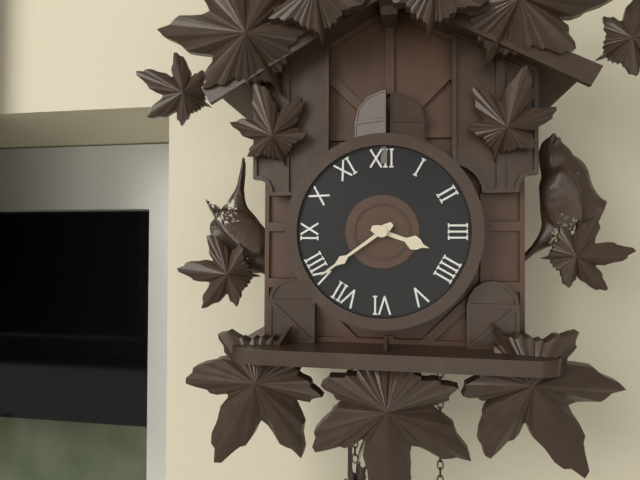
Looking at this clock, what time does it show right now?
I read 3:39
